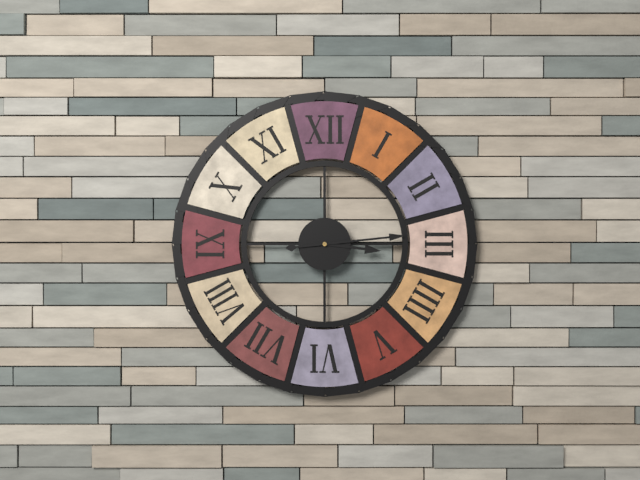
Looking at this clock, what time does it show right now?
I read 3:14
